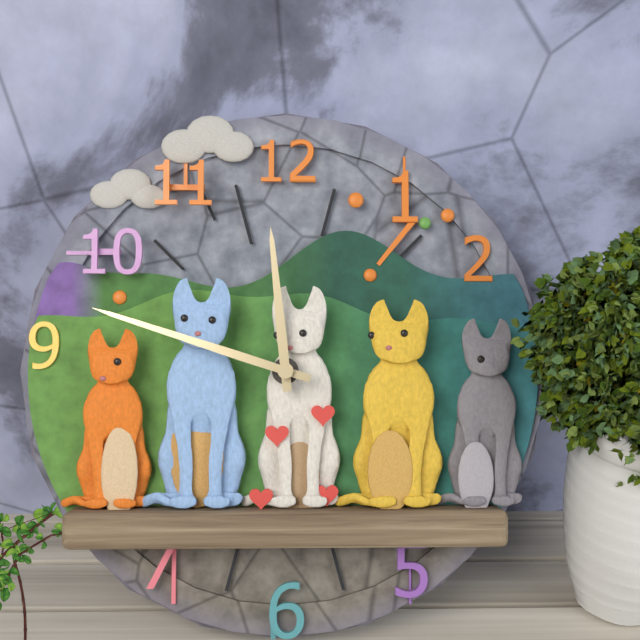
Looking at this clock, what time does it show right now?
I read 11:48
